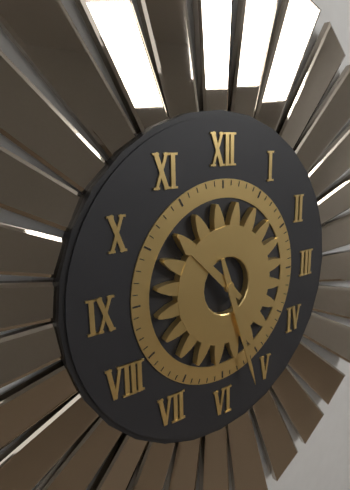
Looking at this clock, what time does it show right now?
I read 10:27
